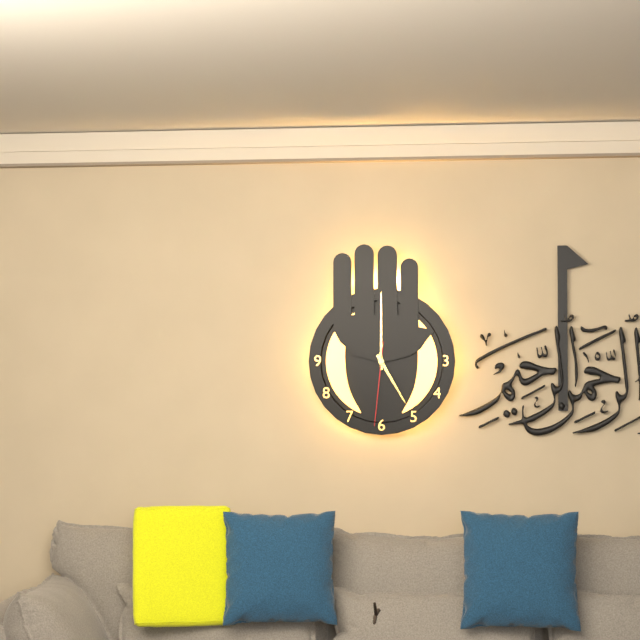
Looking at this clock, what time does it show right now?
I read 5:00:31
